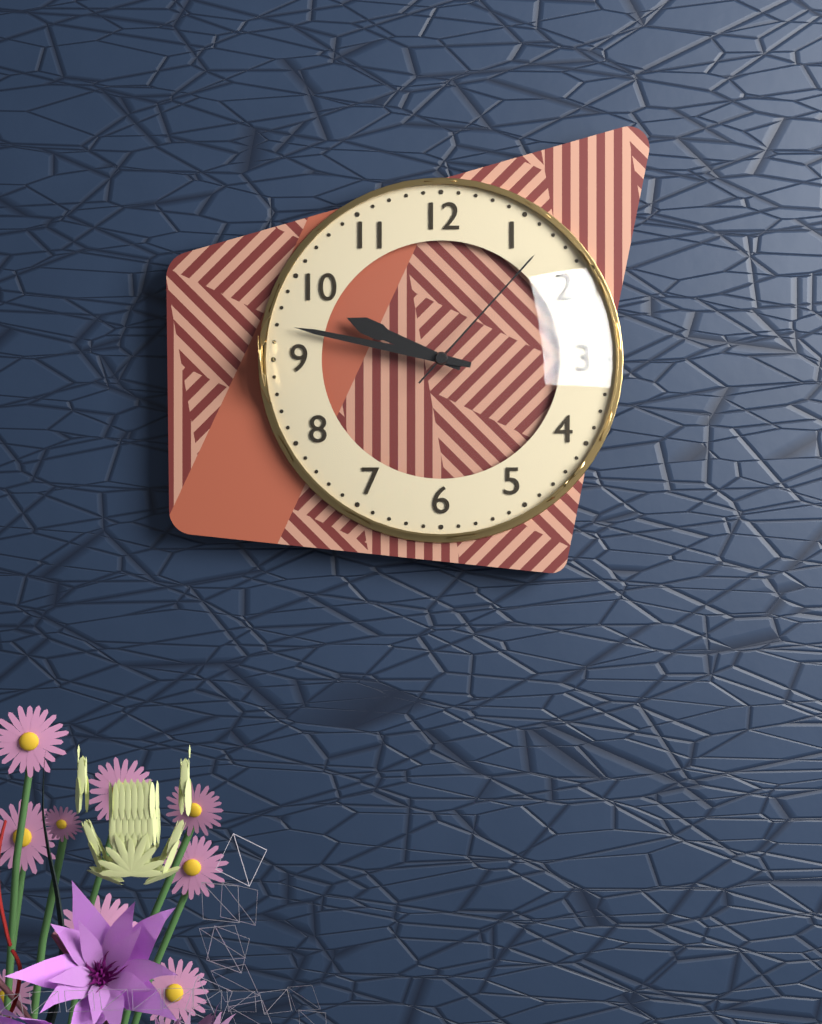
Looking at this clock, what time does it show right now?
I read 9:47:07
